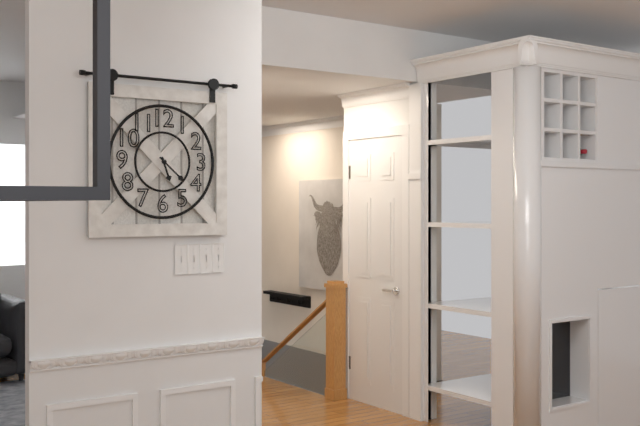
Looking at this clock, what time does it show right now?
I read 5:22
